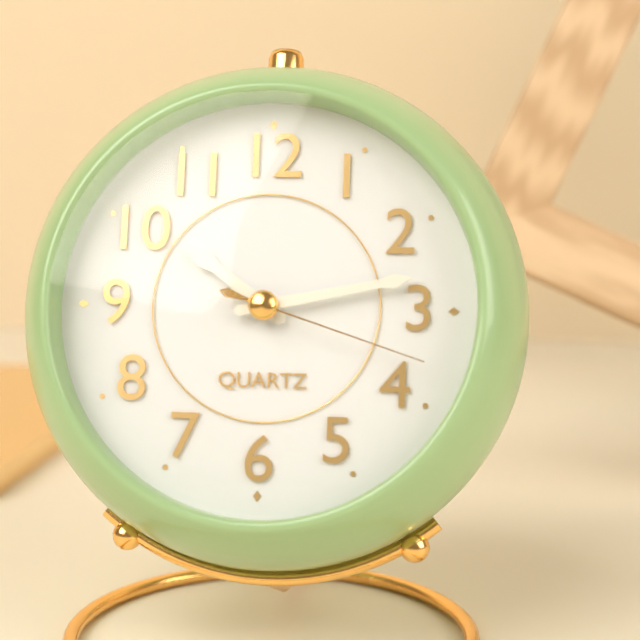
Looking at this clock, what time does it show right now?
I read 10:13:18
